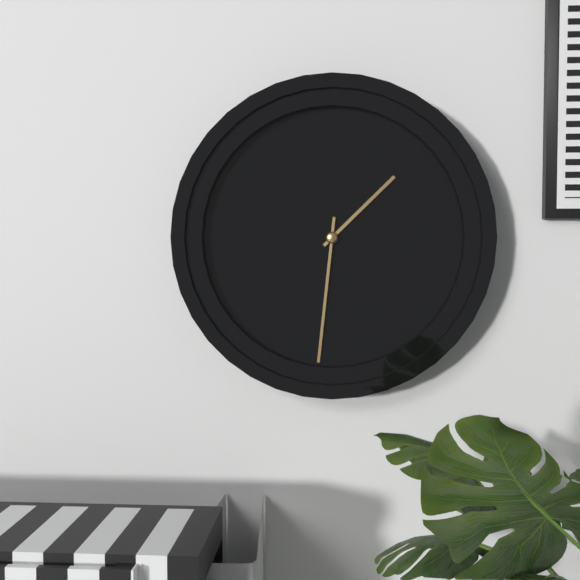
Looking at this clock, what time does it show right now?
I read 1:31
